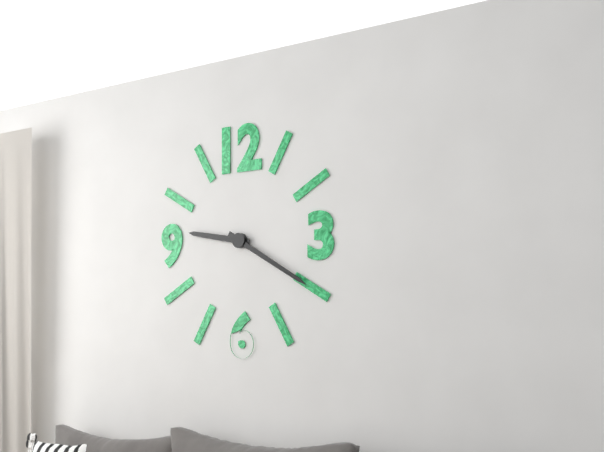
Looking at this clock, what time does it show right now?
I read 9:20
